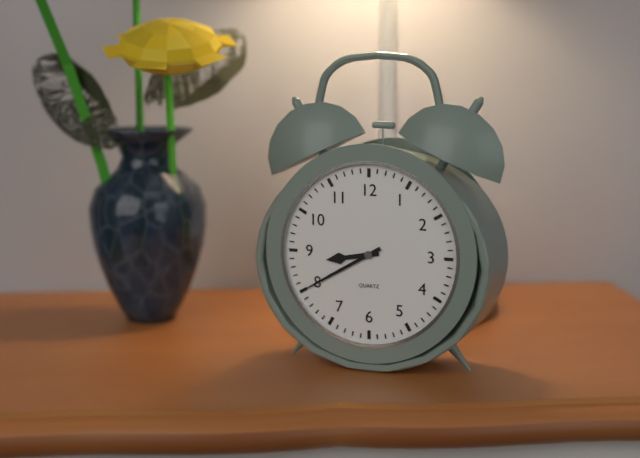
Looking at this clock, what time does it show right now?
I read 8:40
